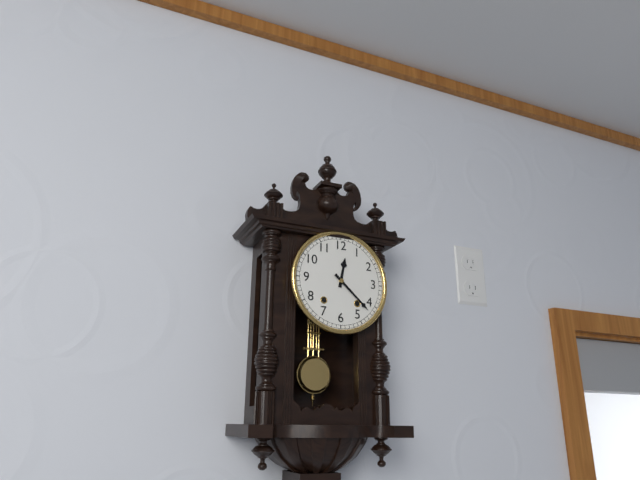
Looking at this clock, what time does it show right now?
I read 12:22
